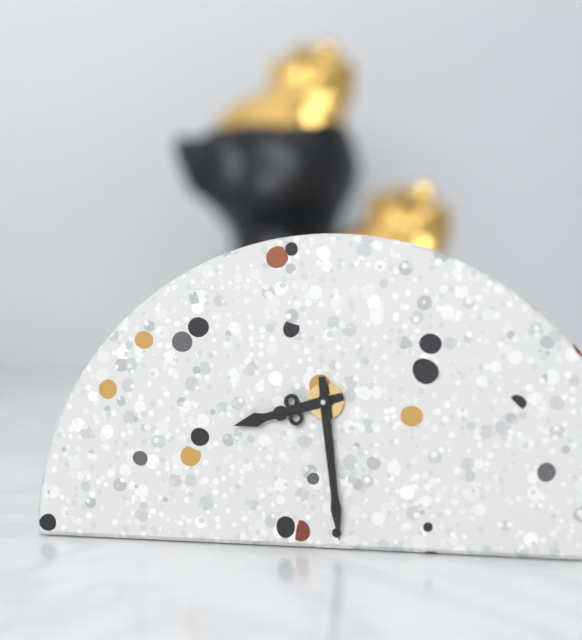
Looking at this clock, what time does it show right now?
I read 8:29
